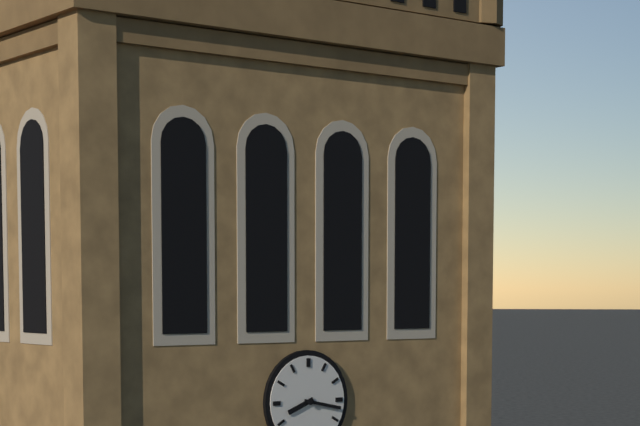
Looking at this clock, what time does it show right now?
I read 8:17
